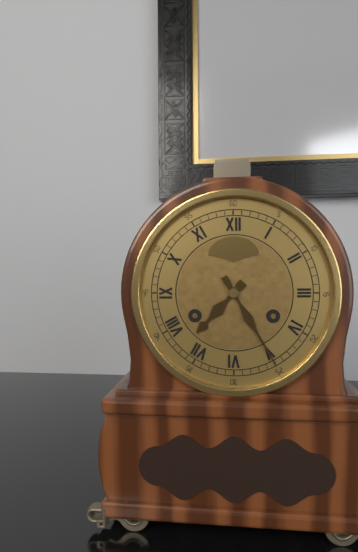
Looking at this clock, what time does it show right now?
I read 7:25
